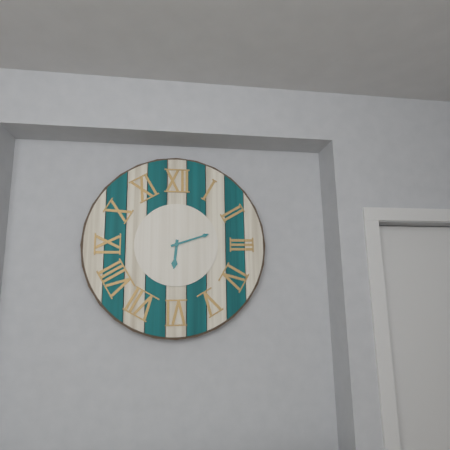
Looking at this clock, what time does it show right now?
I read 6:12
